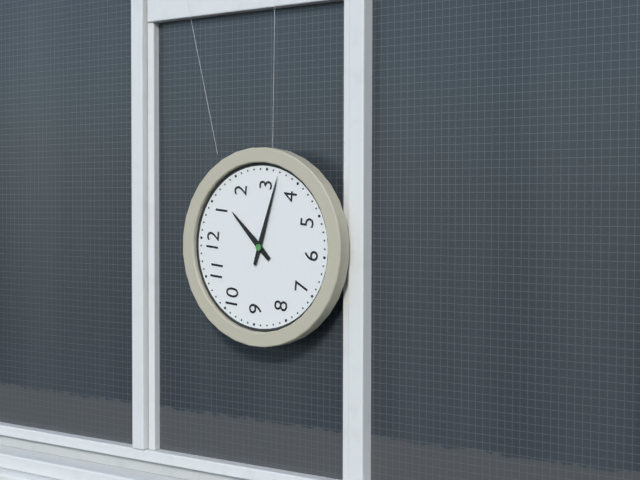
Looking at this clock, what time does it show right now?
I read 1:17
